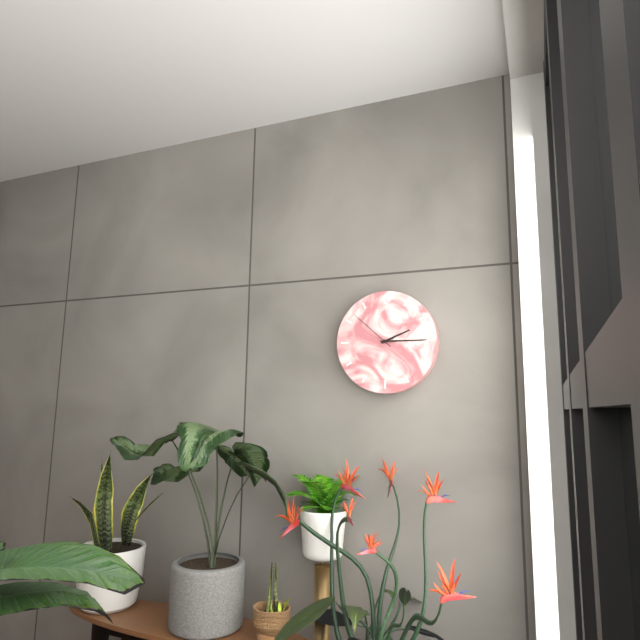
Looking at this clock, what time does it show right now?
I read 2:15:52
